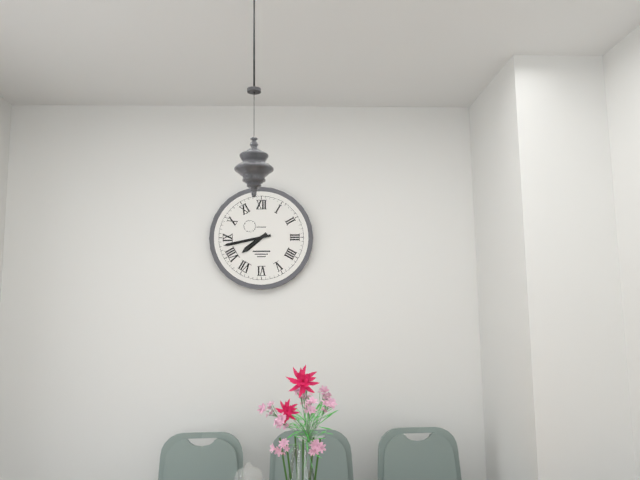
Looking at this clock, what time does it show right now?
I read 7:43
